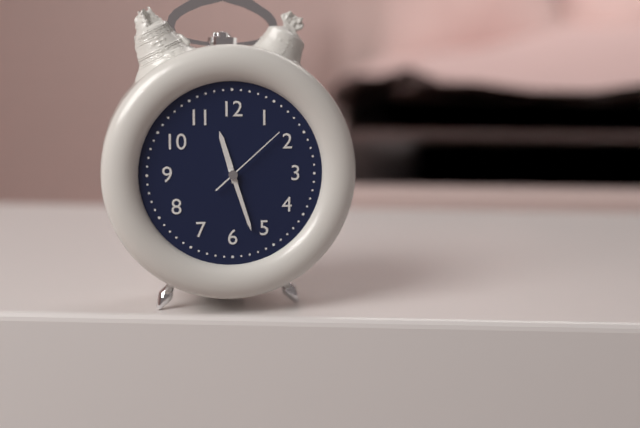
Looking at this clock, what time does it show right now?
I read 11:27:08
